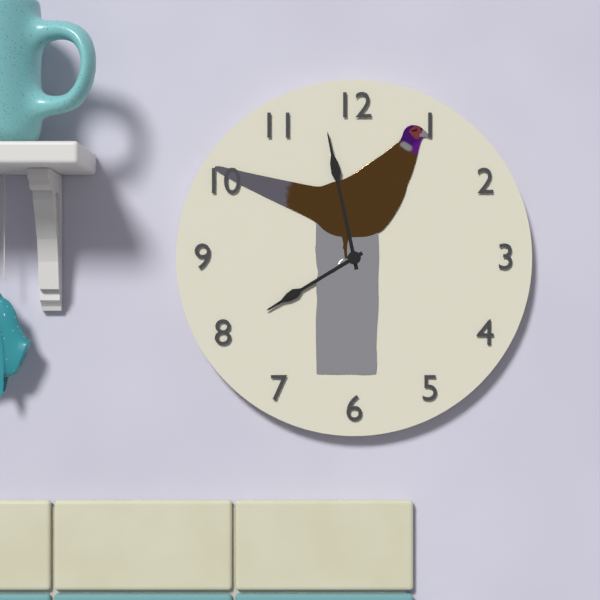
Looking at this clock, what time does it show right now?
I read 7:58
